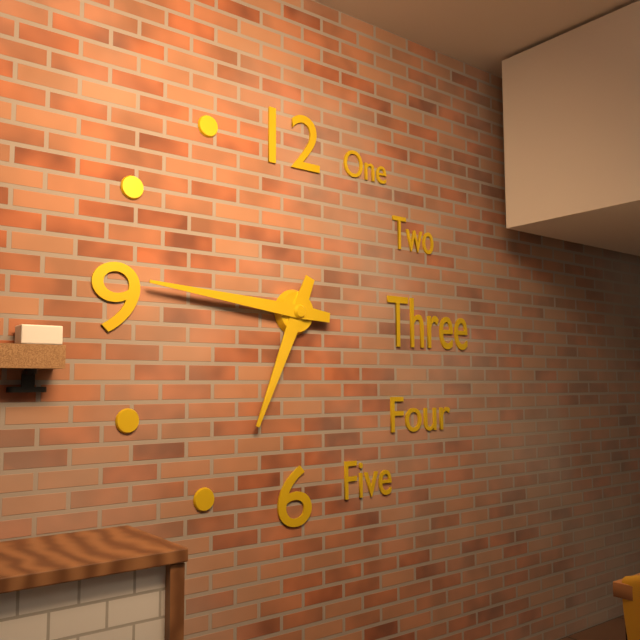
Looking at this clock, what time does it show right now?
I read 6:46
